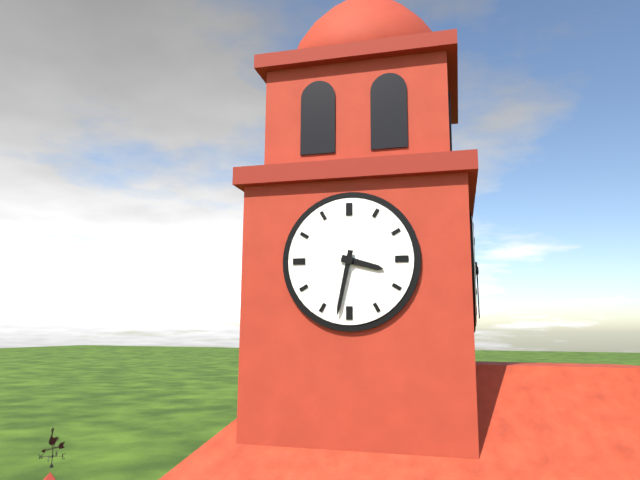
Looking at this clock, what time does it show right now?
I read 3:32
